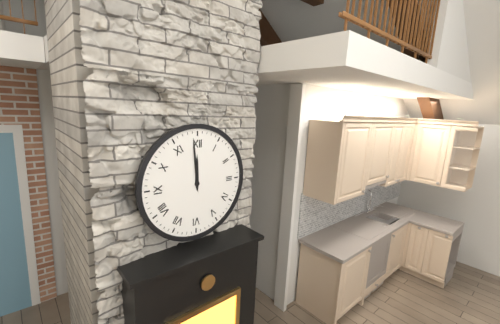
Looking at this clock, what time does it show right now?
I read 11:59
